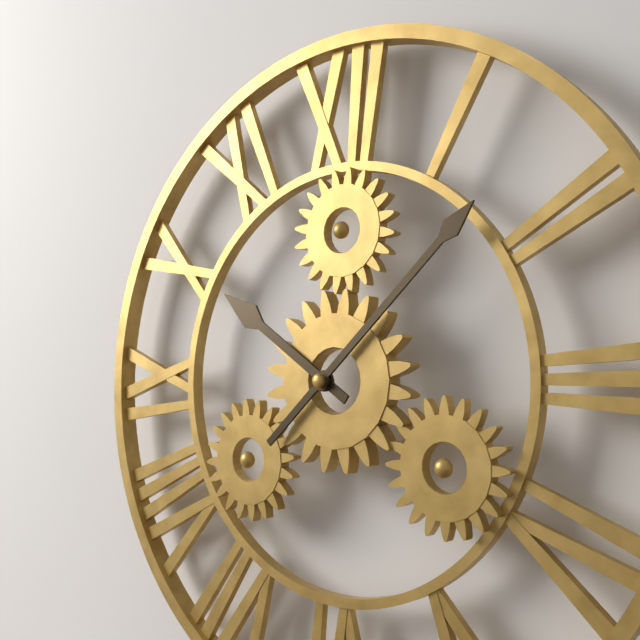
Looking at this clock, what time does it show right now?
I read 10:08
